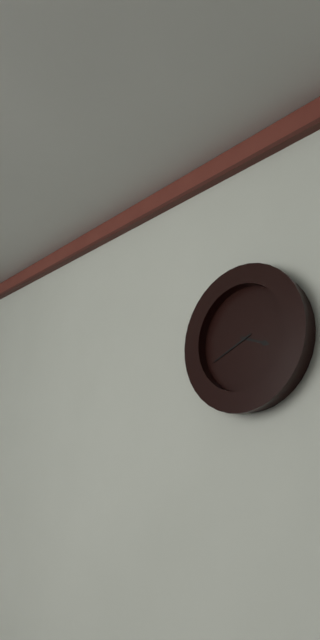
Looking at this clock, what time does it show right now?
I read 3:41
